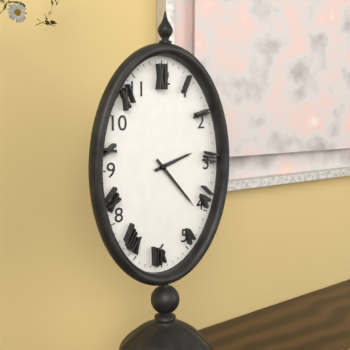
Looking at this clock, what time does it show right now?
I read 2:23
